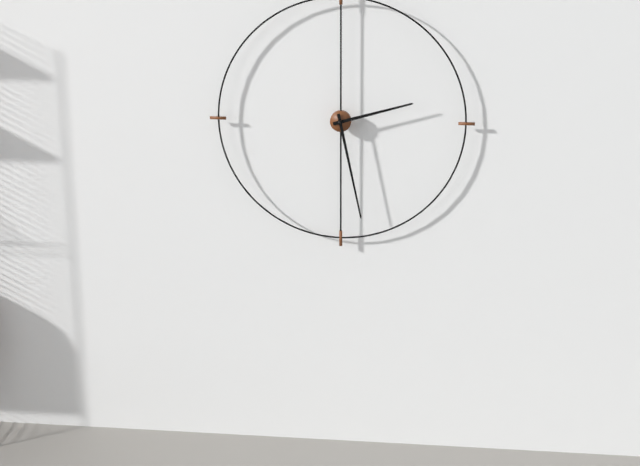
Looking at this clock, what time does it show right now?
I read 2:28
